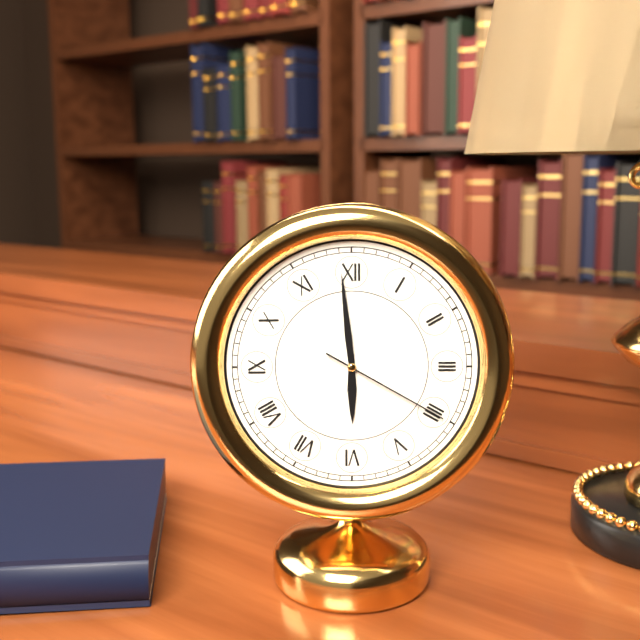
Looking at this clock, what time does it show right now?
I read 5:59:20
